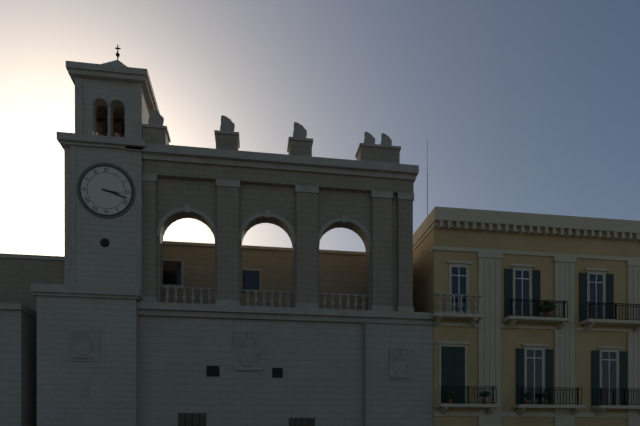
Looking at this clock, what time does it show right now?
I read 3:18
